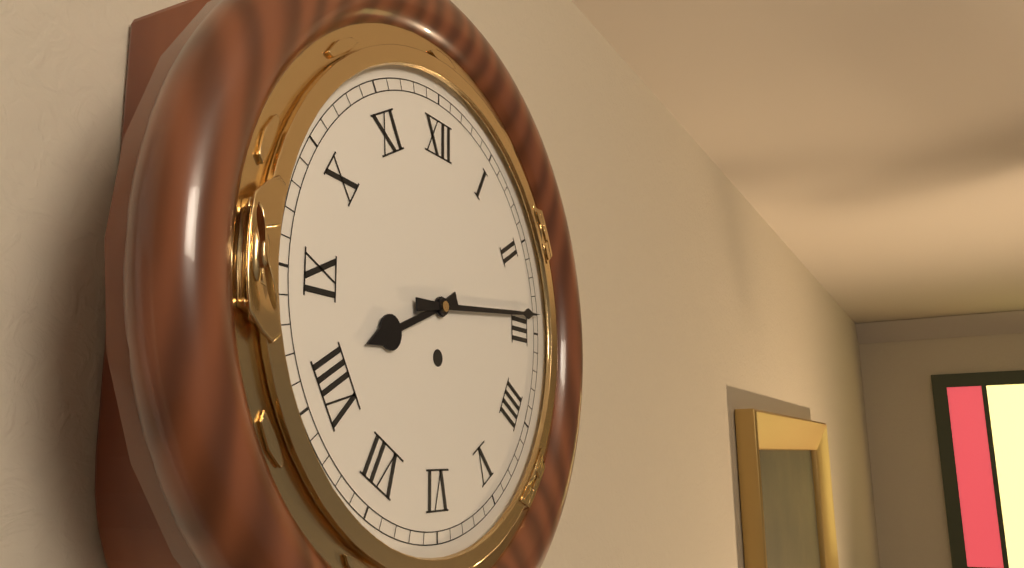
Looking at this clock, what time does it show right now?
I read 8:14
